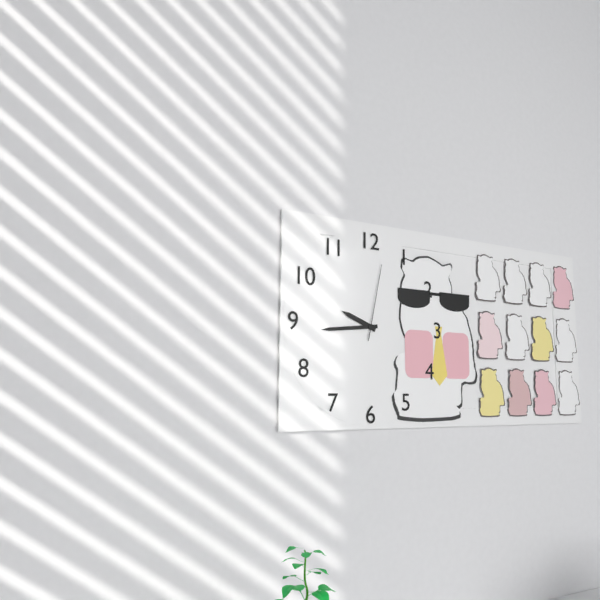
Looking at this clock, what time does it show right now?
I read 9:44:02
